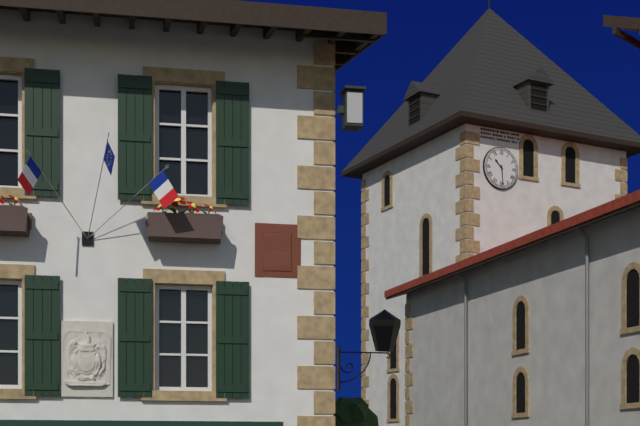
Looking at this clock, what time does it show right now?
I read 10:29
